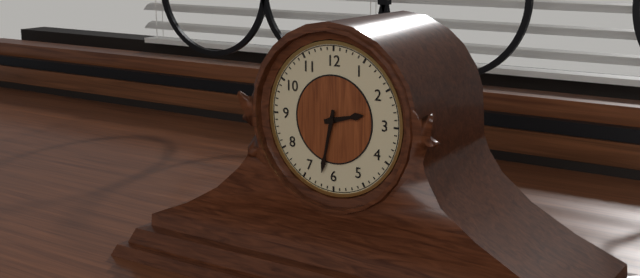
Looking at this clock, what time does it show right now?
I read 2:32
